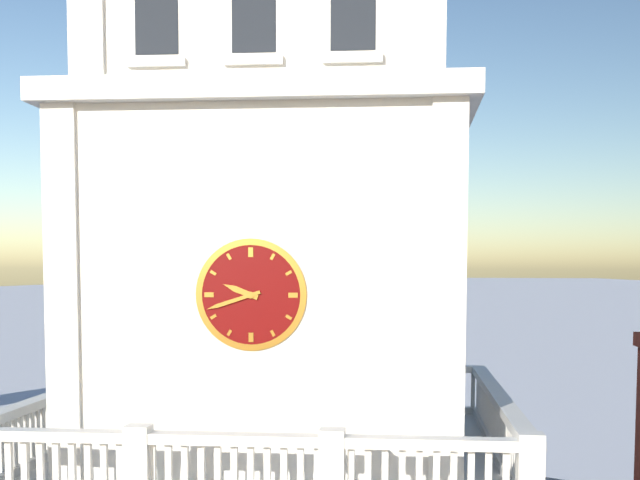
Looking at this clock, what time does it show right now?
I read 9:42
